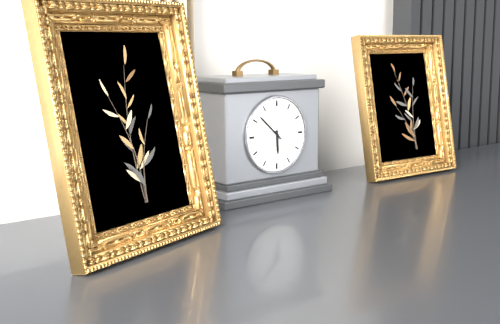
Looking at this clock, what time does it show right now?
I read 5:52
